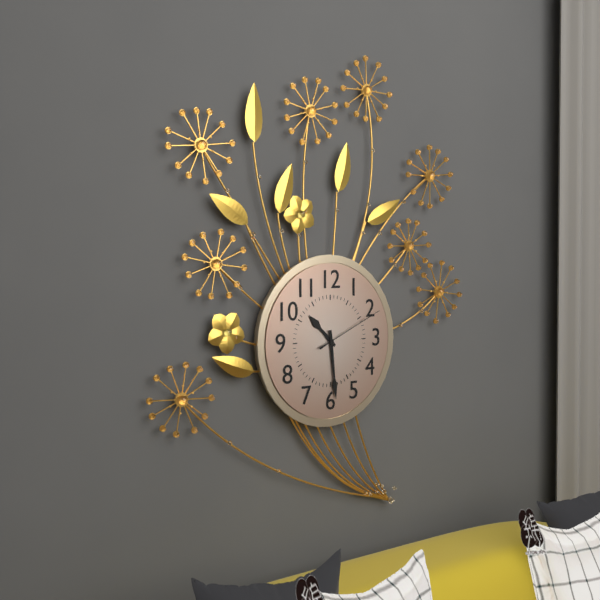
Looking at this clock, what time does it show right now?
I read 10:29:11
